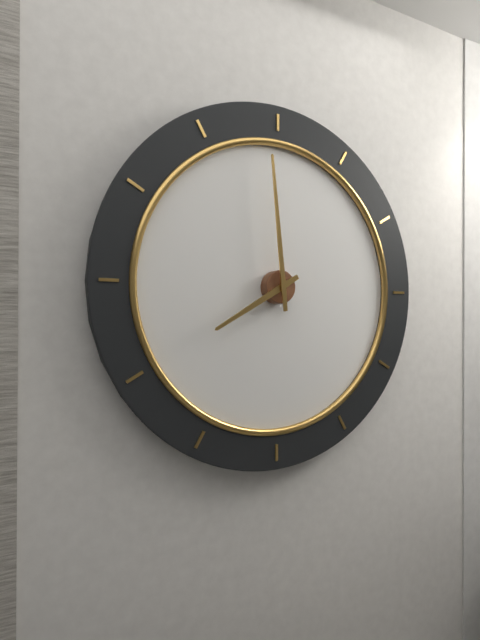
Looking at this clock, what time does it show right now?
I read 7:59
